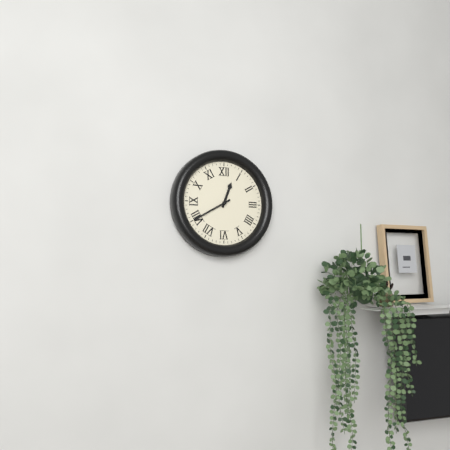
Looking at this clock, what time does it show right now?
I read 12:40
